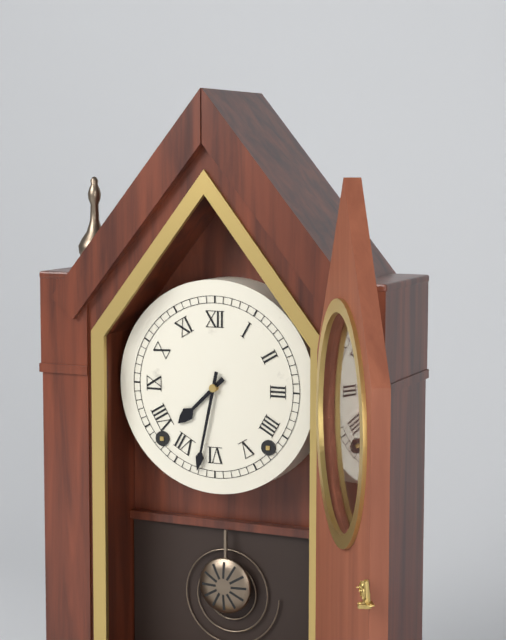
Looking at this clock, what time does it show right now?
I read 7:32
